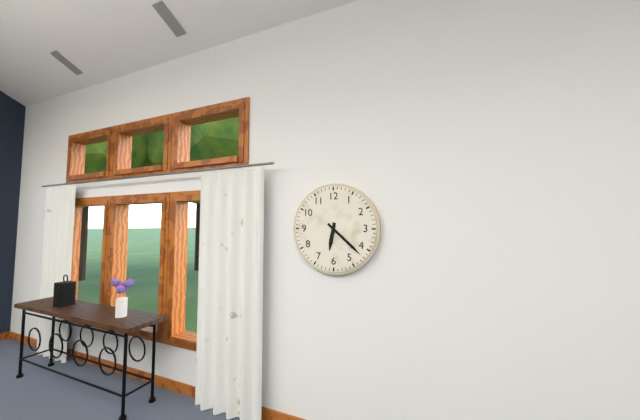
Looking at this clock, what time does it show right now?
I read 6:22
